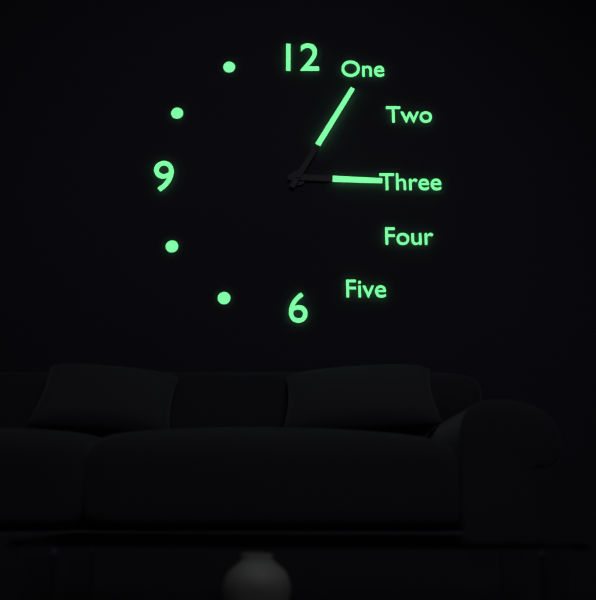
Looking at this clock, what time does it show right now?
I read 3:05
